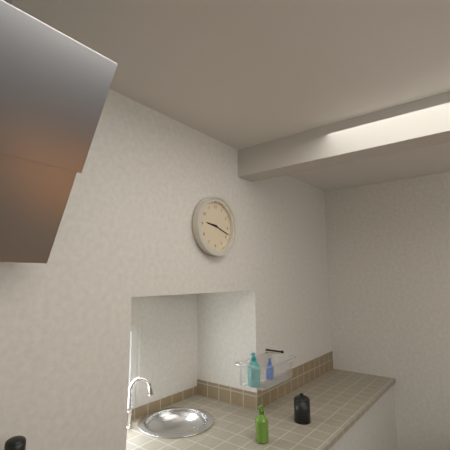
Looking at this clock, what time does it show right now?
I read 9:18
